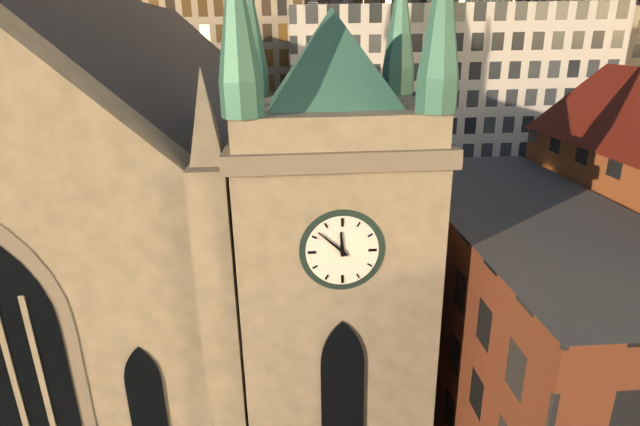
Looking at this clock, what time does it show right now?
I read 11:52
